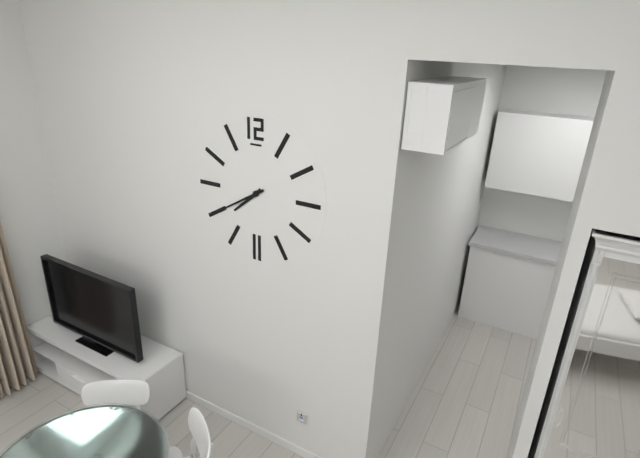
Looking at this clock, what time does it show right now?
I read 7:40
